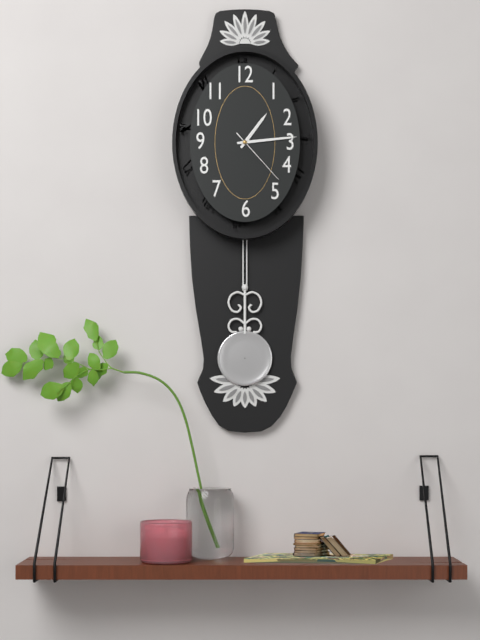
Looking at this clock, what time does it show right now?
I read 1:14:23
